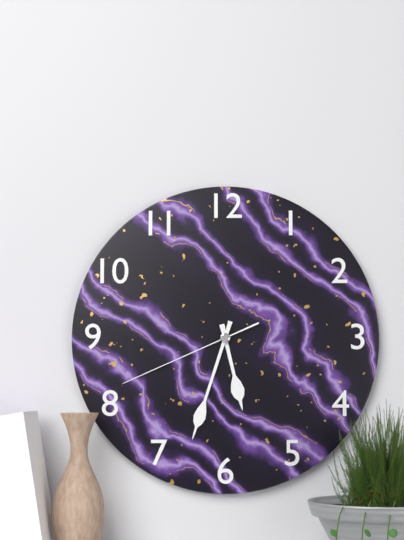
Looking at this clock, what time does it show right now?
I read 5:33:41
